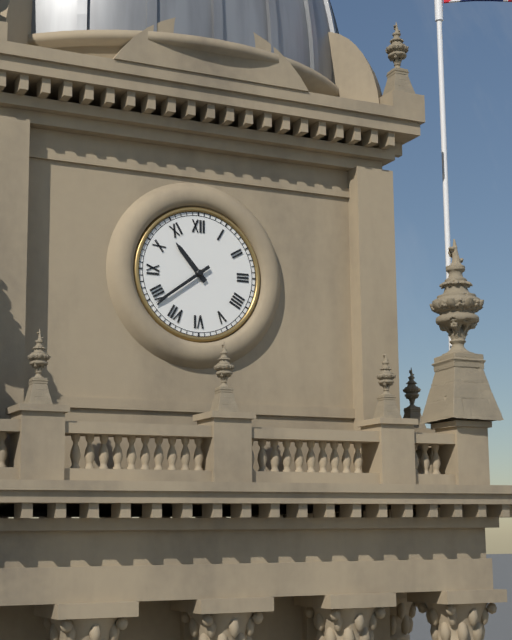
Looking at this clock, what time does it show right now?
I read 10:39
